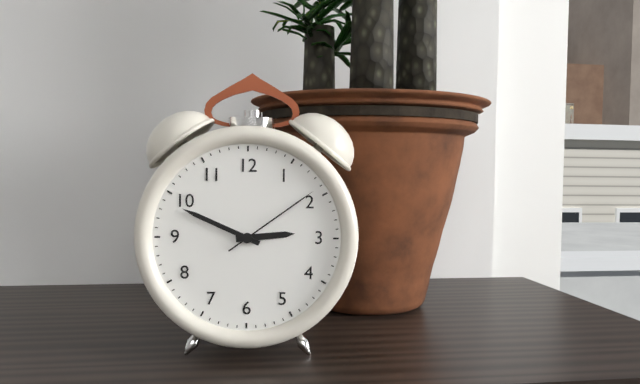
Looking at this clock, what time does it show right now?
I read 2:49:09
